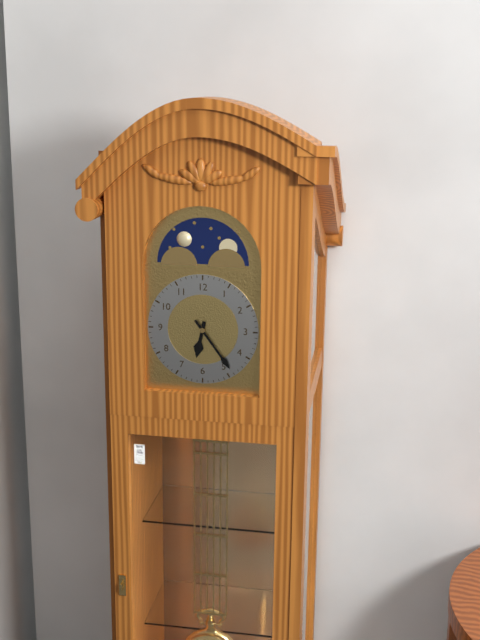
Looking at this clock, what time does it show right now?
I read 6:24
